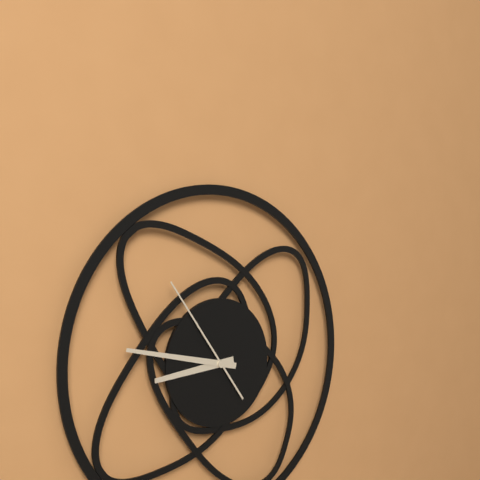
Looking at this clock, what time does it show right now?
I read 8:47:54
